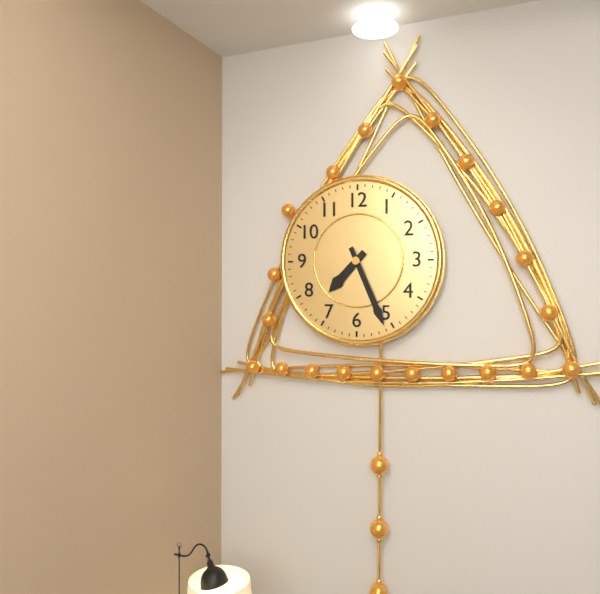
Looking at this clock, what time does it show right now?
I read 7:26
